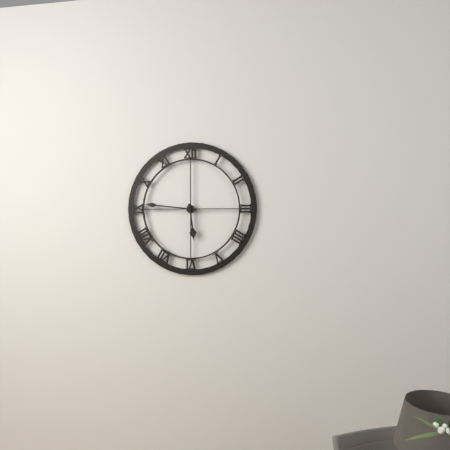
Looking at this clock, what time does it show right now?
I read 5:46
